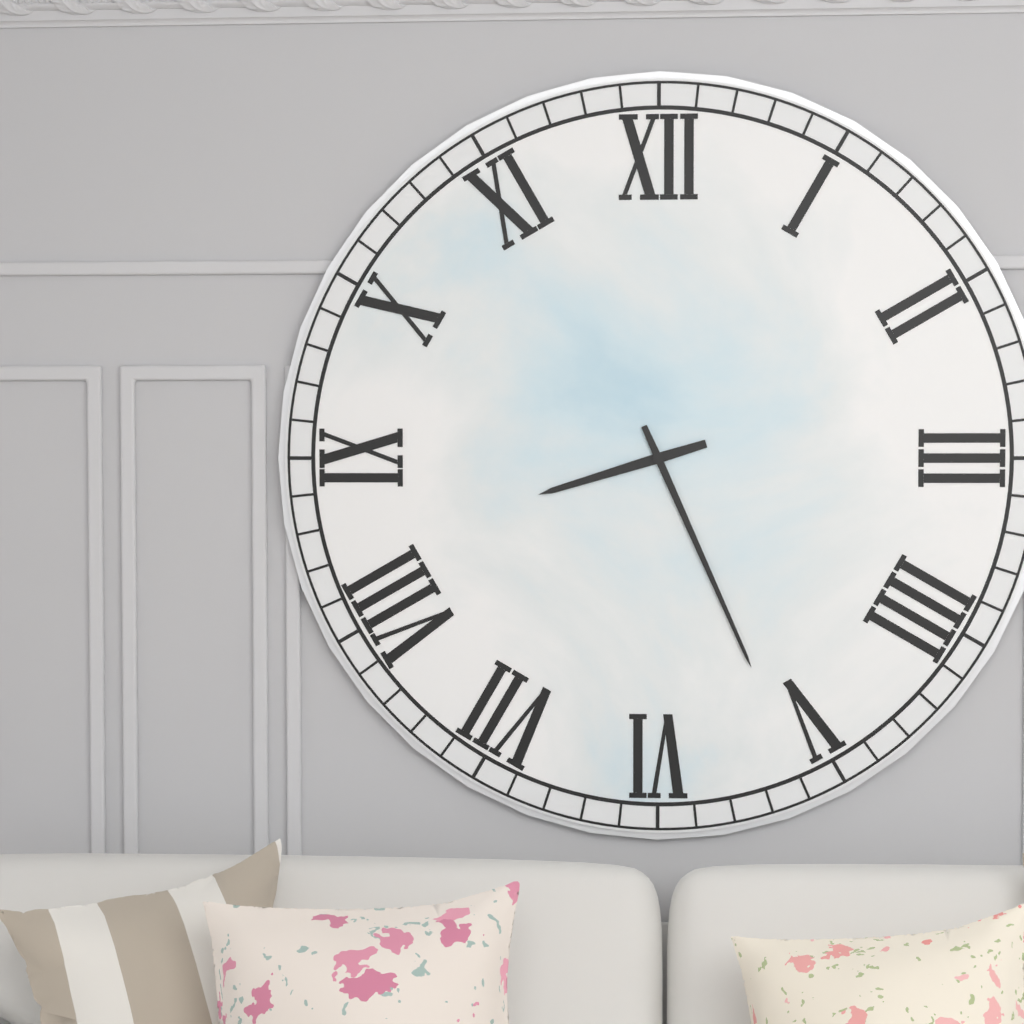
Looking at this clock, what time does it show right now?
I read 8:26
